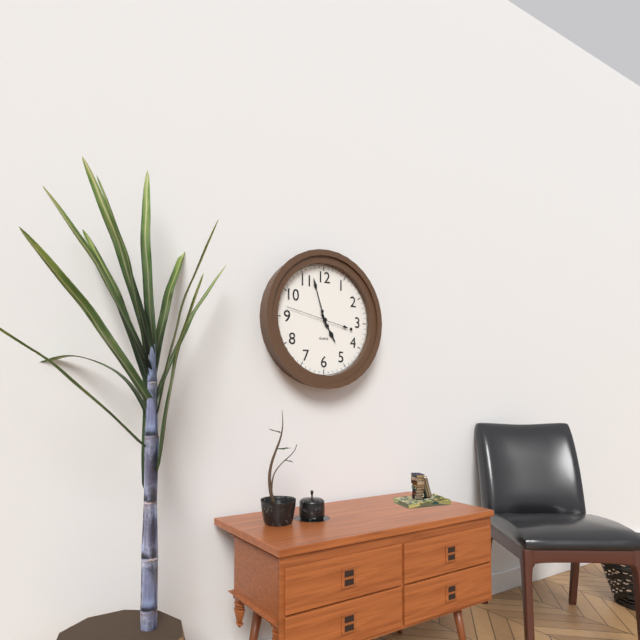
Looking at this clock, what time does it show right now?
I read 4:57:47
